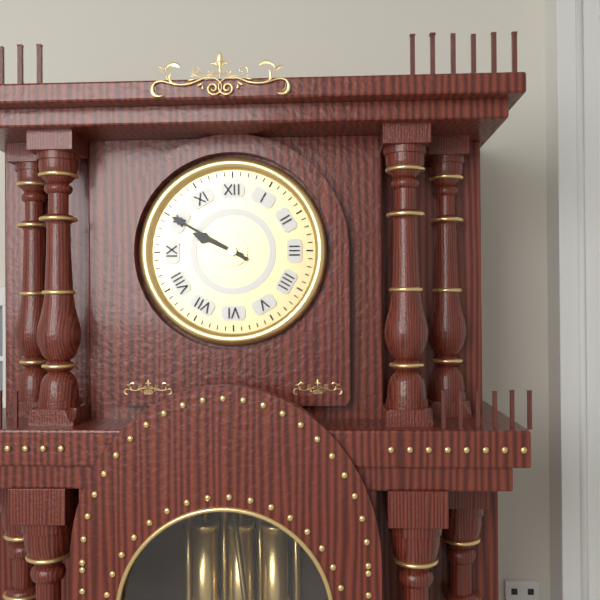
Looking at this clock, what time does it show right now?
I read 9:50
